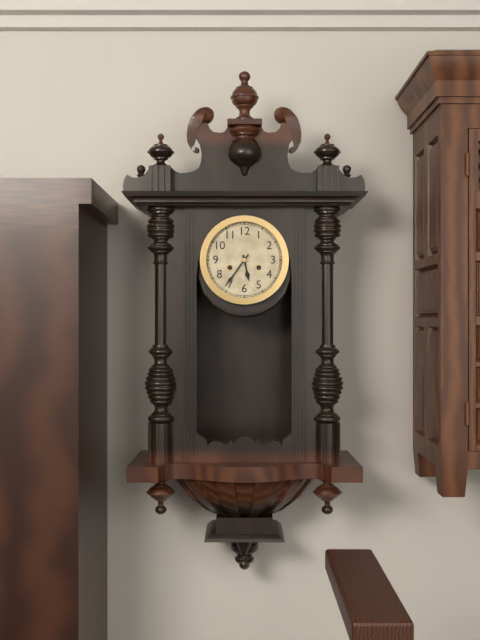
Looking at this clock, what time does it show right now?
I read 5:36
